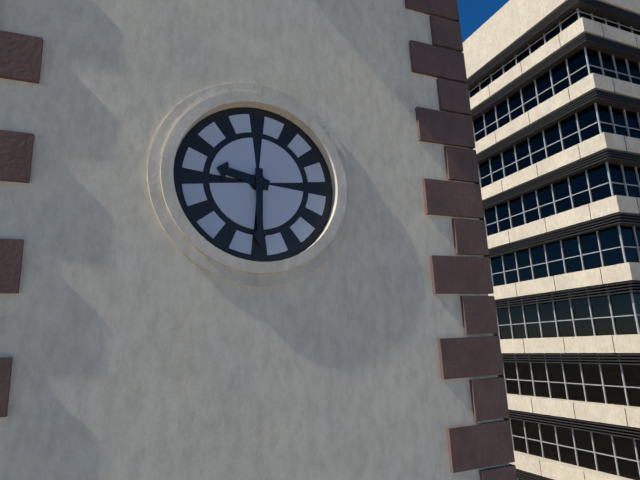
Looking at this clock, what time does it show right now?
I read 9:30
